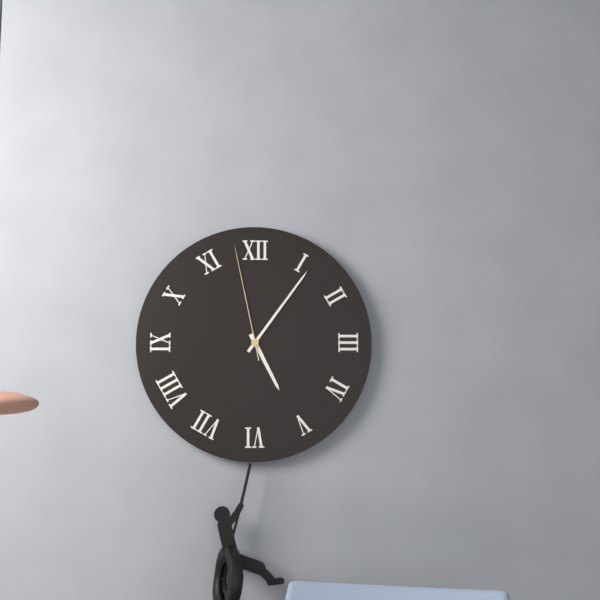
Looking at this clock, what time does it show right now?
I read 5:06:58
